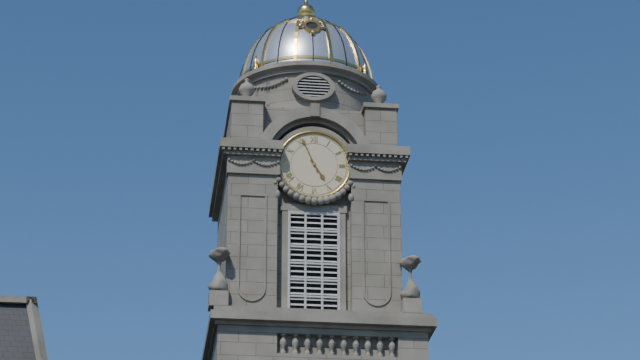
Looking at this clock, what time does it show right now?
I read 4:56
